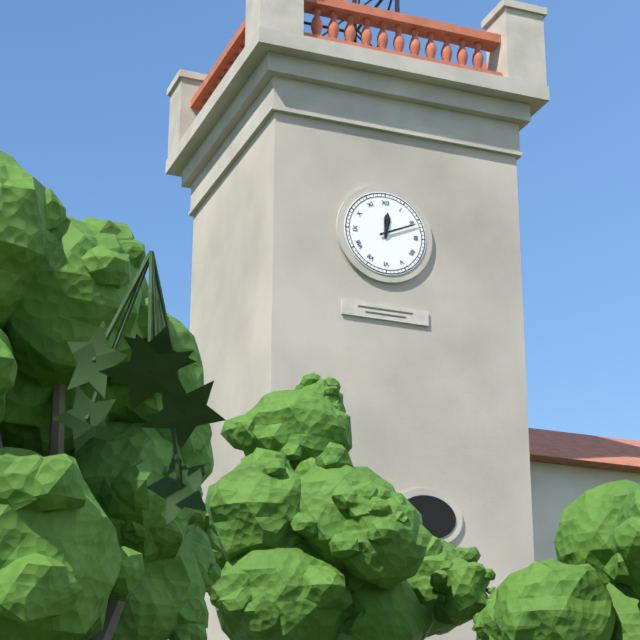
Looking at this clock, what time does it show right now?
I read 12:11
